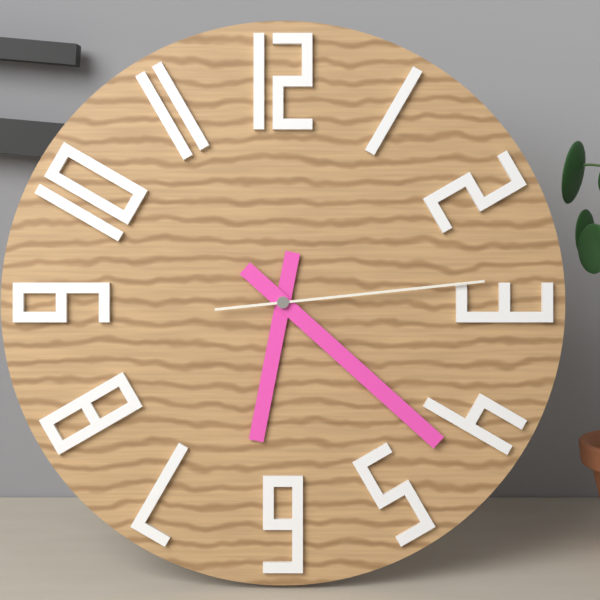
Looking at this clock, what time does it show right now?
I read 6:22:14
